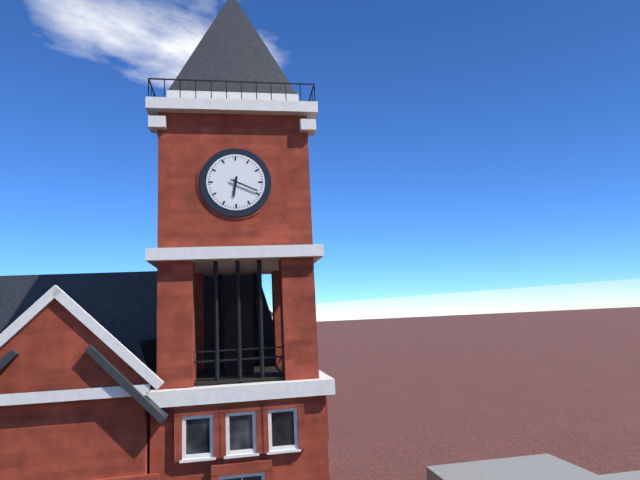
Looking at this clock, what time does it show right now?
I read 6:19
